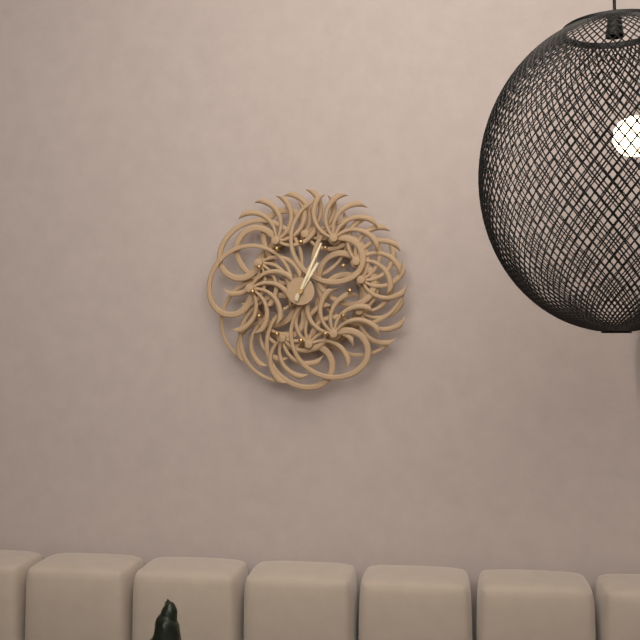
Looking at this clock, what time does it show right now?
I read 1:04
